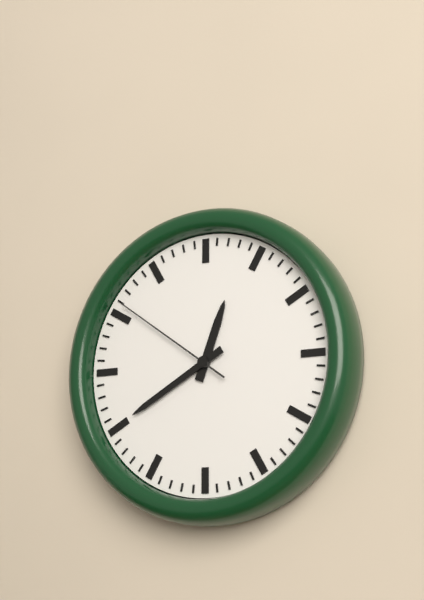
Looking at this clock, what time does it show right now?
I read 12:40:51
